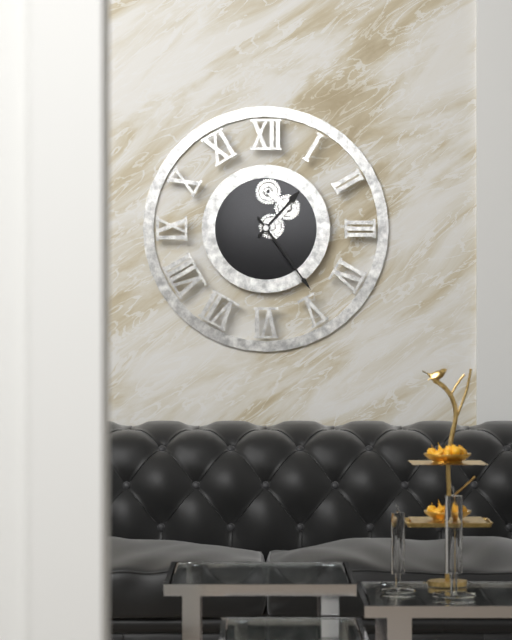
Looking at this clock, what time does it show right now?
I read 1:24
